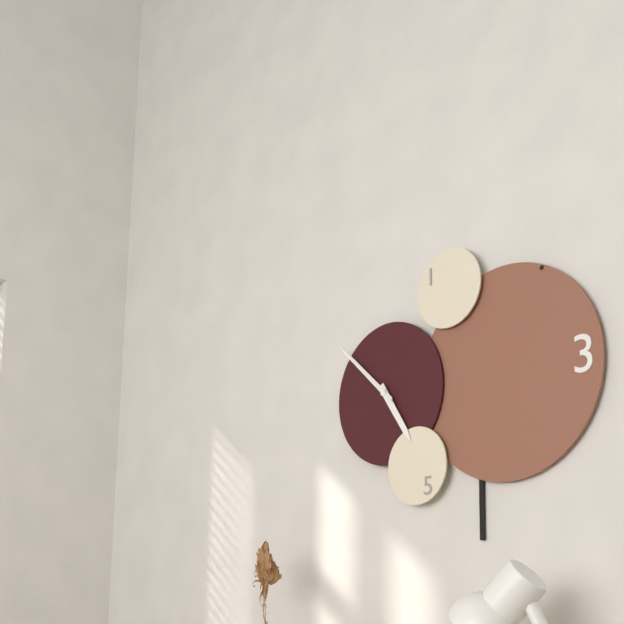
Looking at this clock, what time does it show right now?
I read 4:52:52
